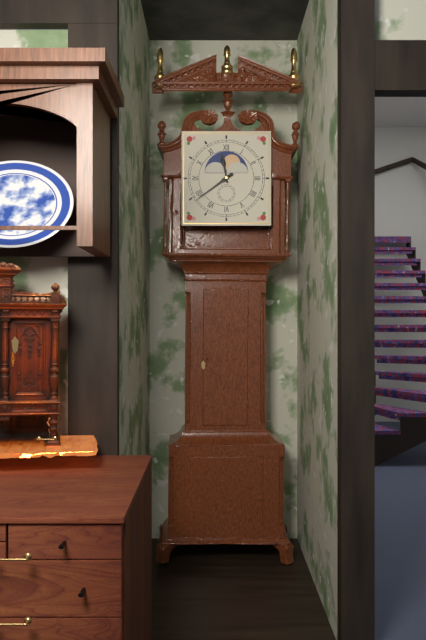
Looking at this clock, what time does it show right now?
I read 11:39
